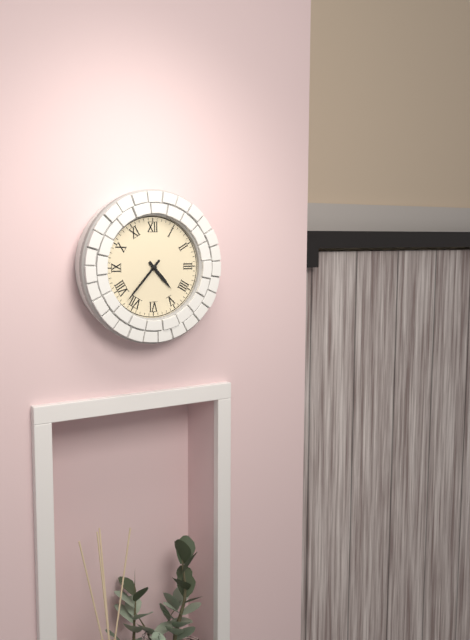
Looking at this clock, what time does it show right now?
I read 4:37
